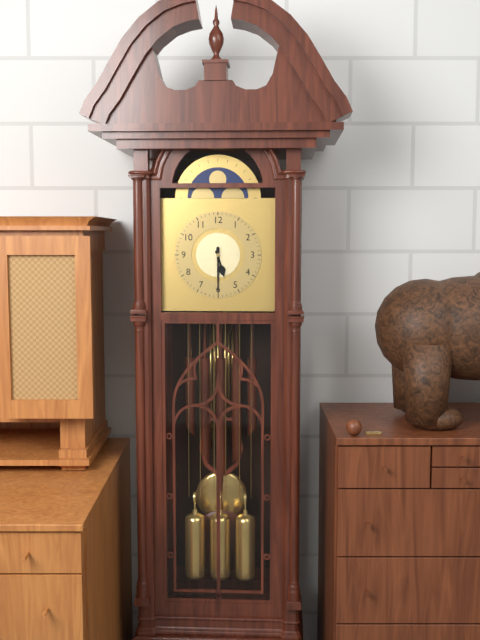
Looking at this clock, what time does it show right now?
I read 5:30
